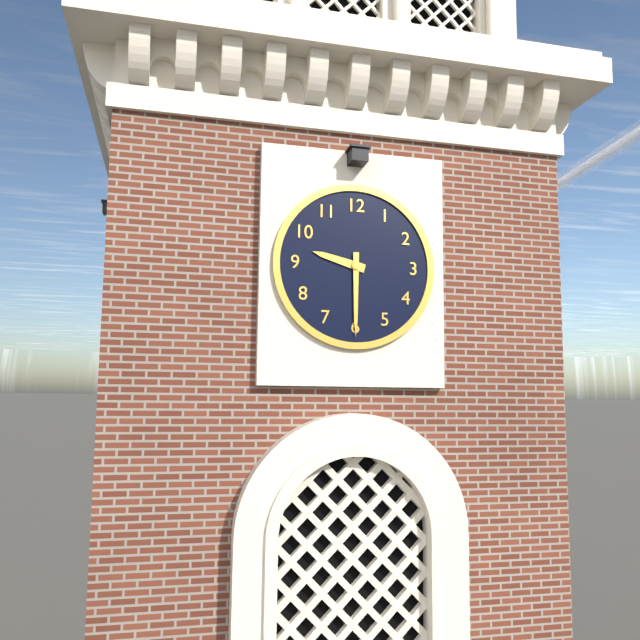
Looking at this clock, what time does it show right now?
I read 9:30
